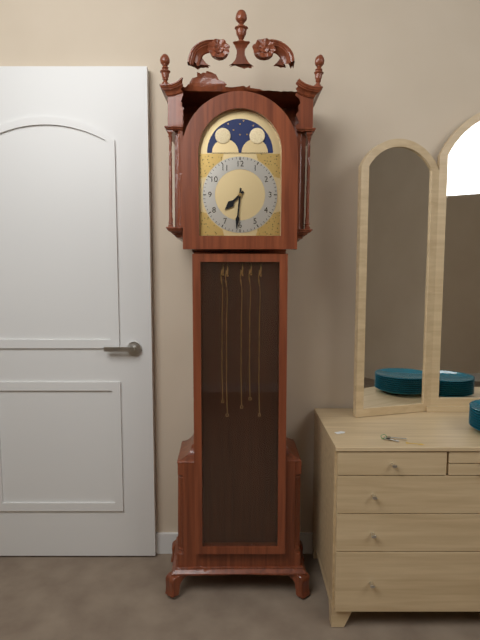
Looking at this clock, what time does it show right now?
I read 7:31
